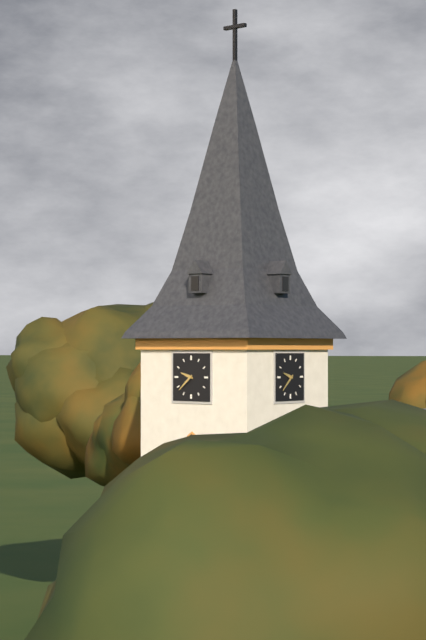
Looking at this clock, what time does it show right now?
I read 9:38
